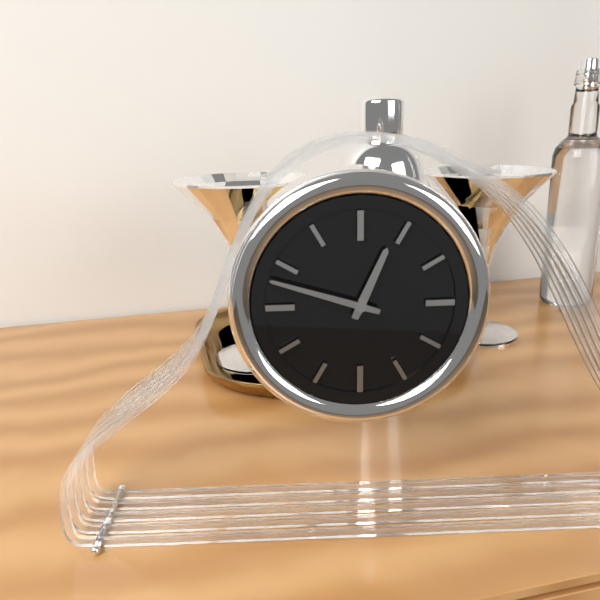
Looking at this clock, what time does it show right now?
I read 12:48
